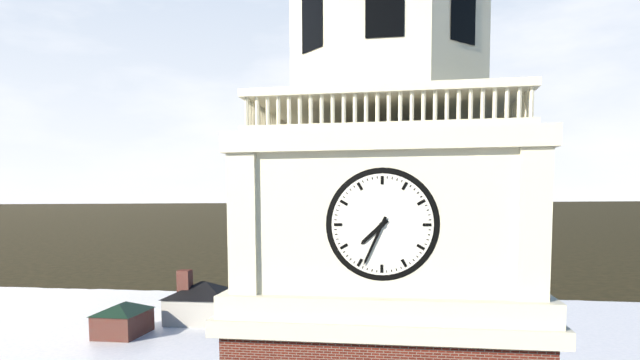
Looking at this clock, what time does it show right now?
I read 7:34
